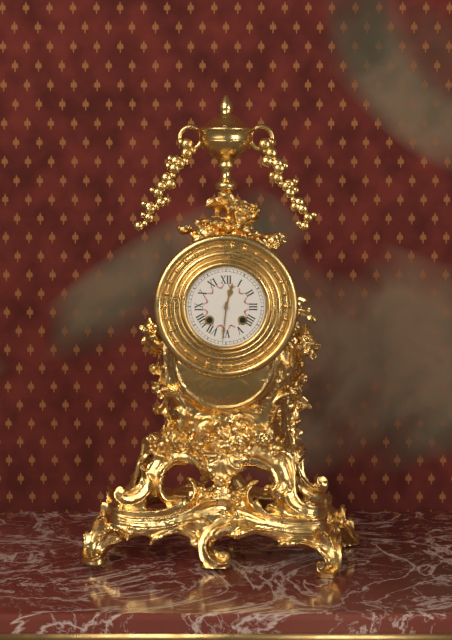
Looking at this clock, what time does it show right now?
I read 12:31
